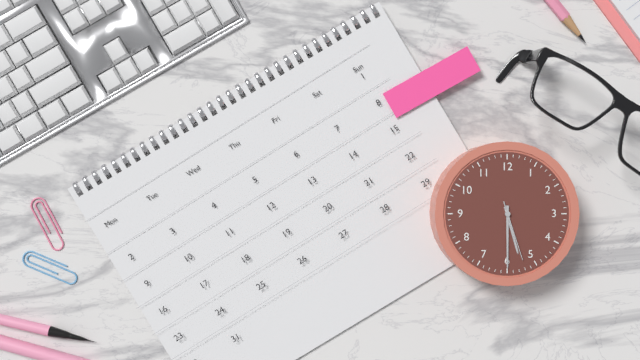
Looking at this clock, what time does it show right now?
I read 5:30:27
